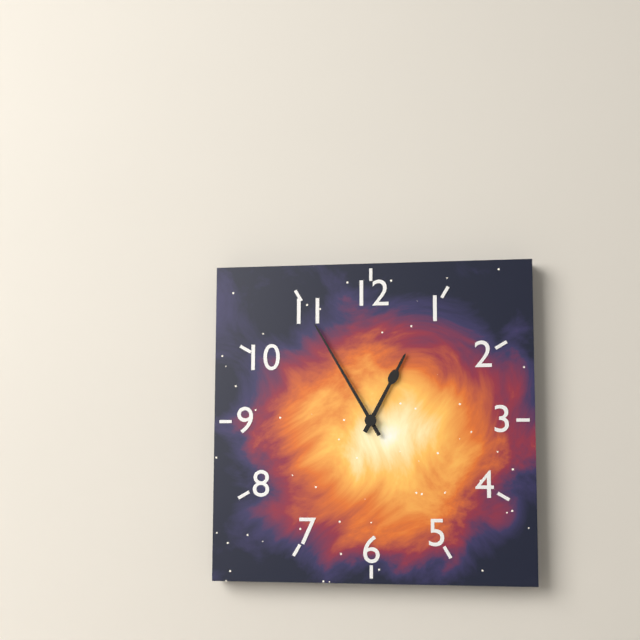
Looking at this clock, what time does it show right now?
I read 12:55
